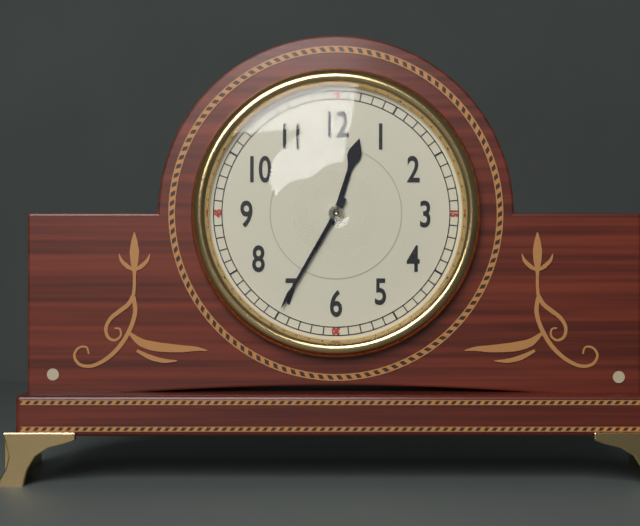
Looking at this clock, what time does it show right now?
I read 12:35
